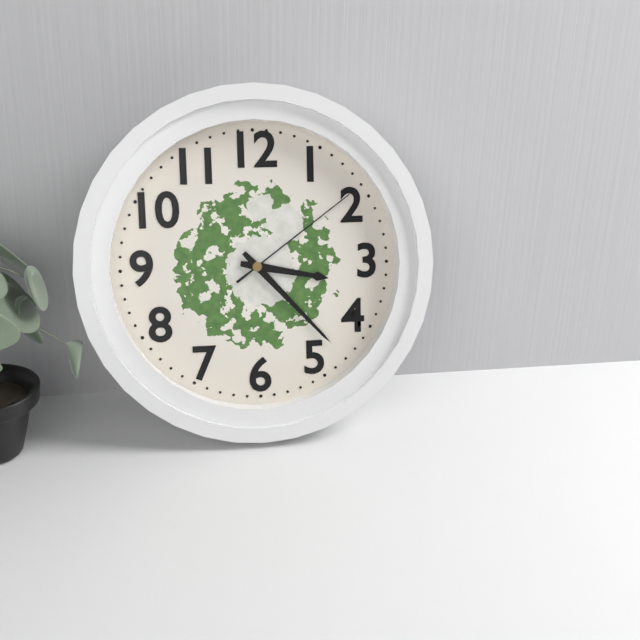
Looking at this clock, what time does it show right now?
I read 3:23:09
